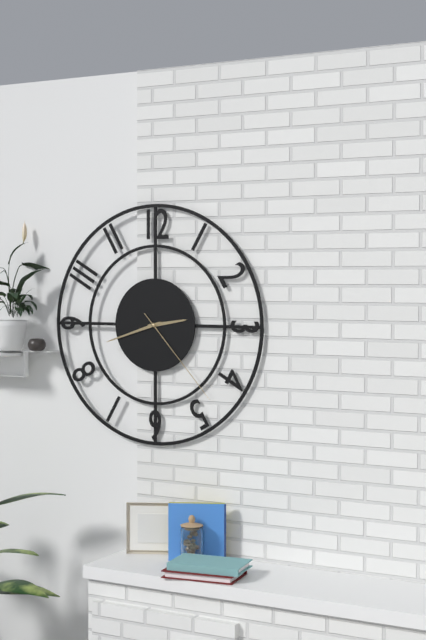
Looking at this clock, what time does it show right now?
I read 2:42:23
